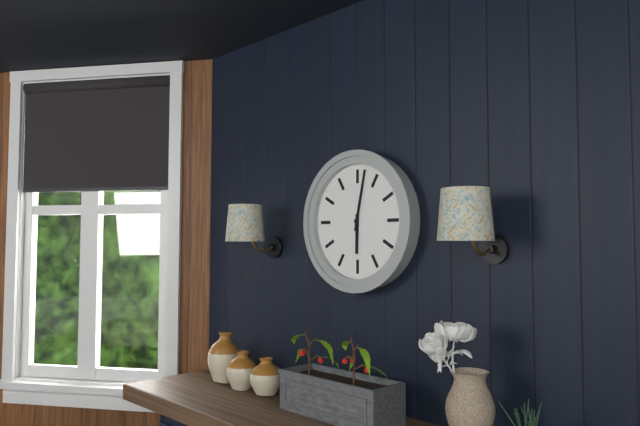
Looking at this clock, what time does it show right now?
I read 6:02
